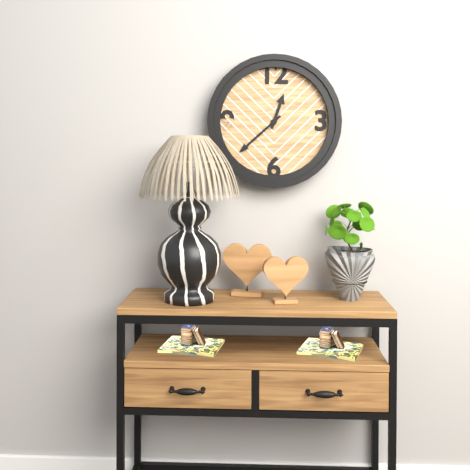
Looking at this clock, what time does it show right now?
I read 12:38
